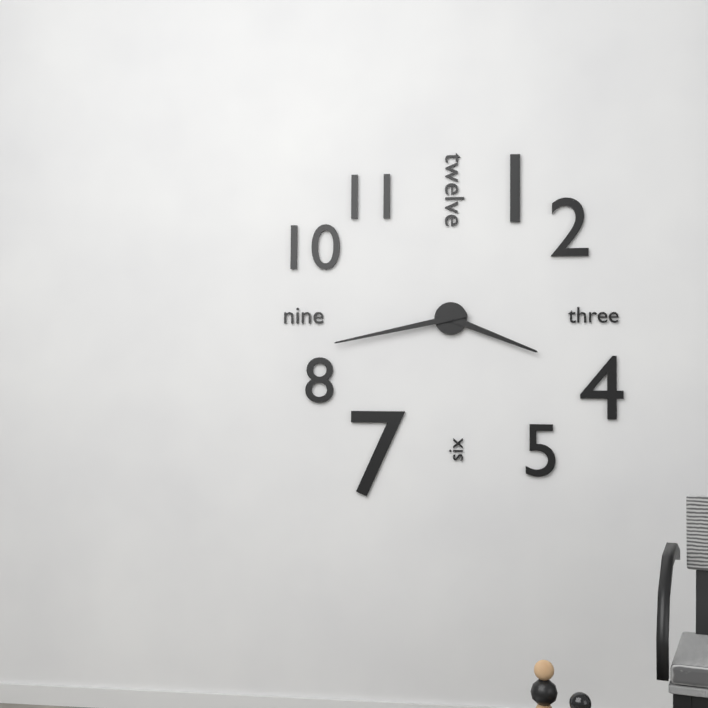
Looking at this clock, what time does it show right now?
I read 3:43
